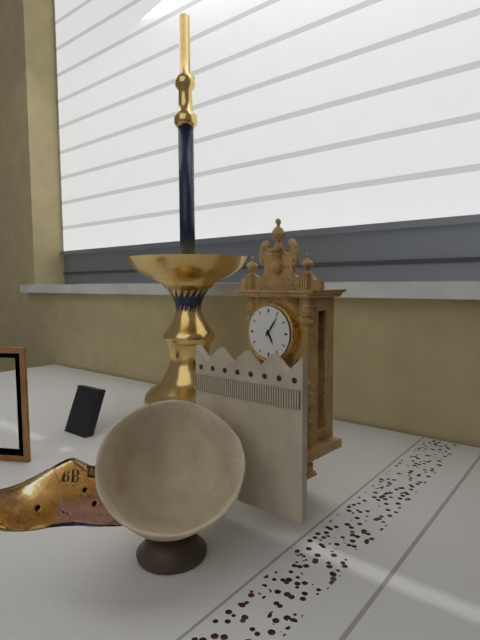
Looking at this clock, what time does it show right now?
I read 5:06
